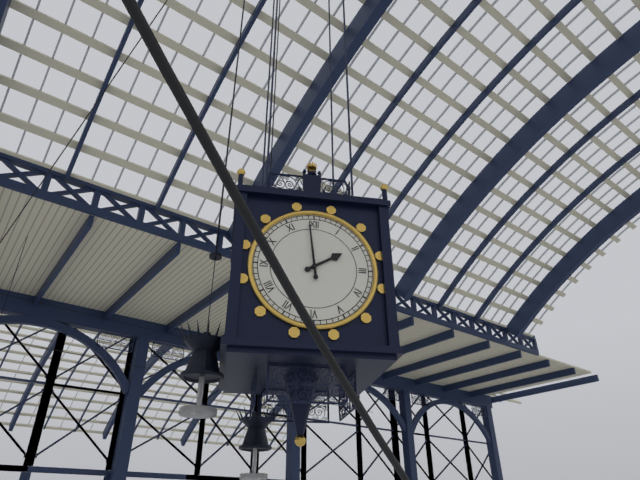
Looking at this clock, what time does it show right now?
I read 1:59
